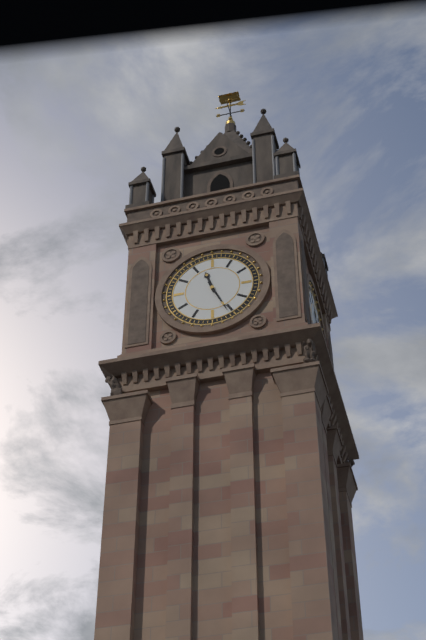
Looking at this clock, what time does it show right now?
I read 11:26
